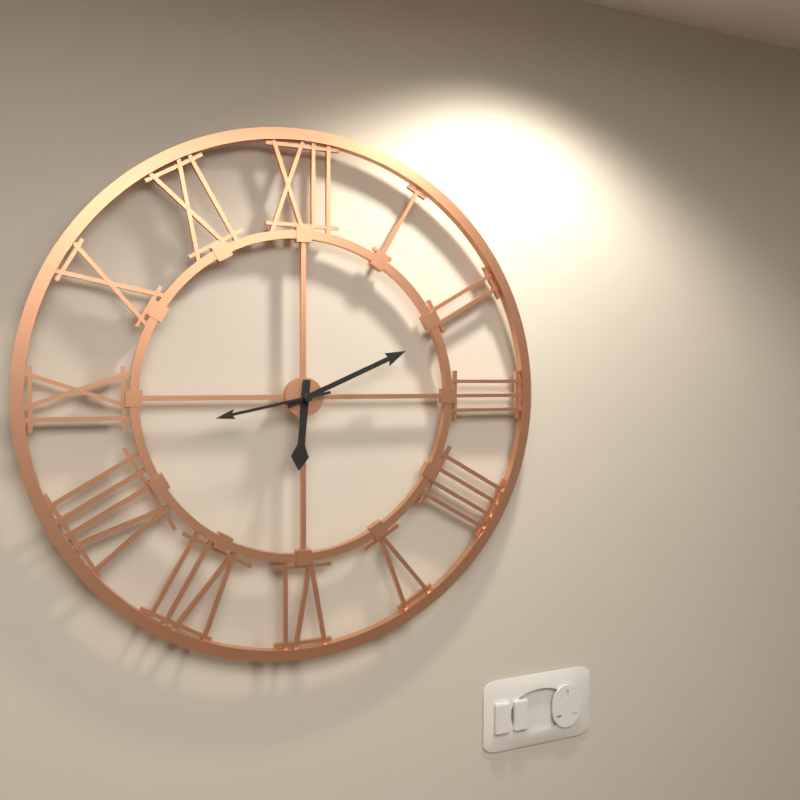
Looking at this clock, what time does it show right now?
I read 6:11:43
